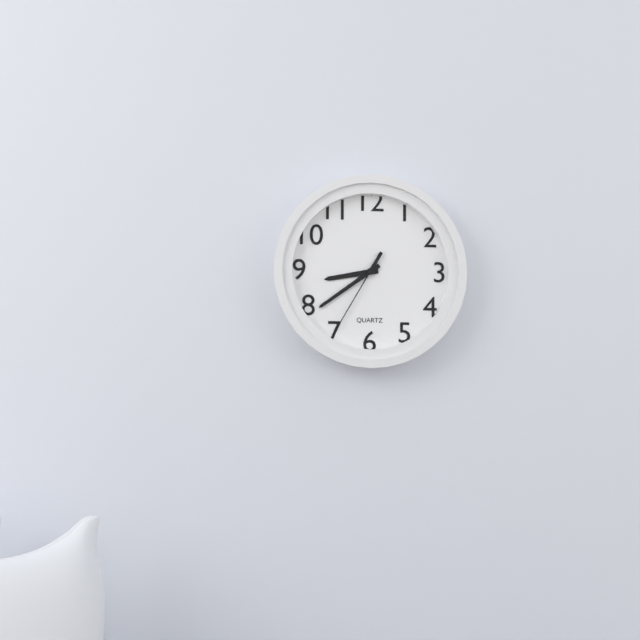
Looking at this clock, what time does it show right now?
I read 8:39:35
